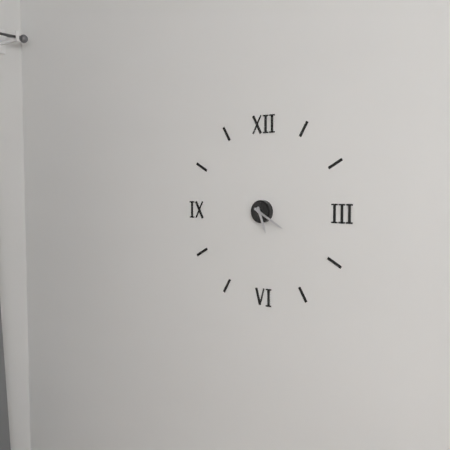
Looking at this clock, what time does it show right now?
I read 5:20
